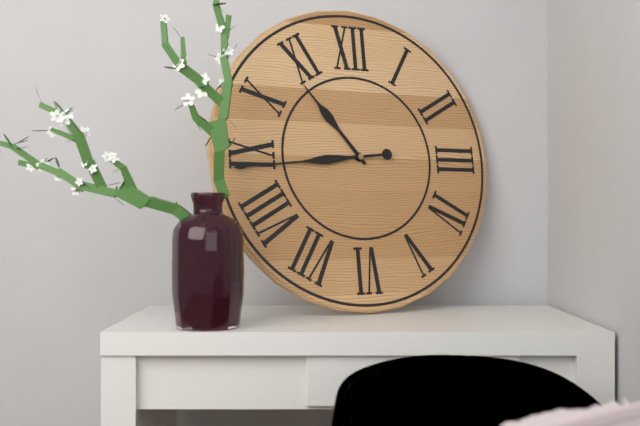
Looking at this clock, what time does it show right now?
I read 10:44
